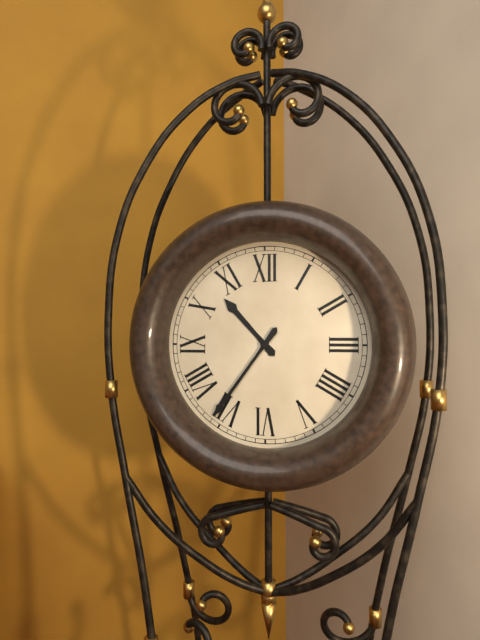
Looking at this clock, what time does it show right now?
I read 10:36
